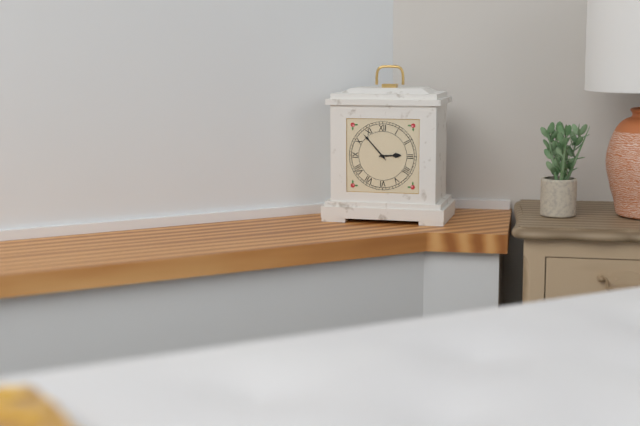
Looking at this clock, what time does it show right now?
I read 2:53
